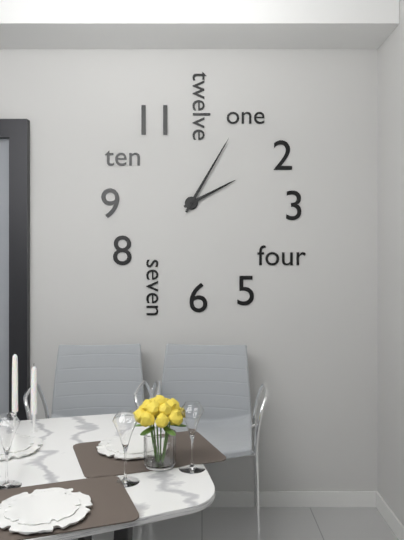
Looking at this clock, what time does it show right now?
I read 2:05
